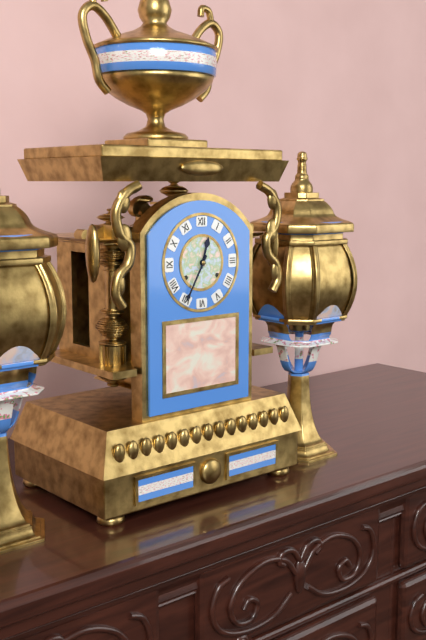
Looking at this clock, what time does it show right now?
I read 12:35
